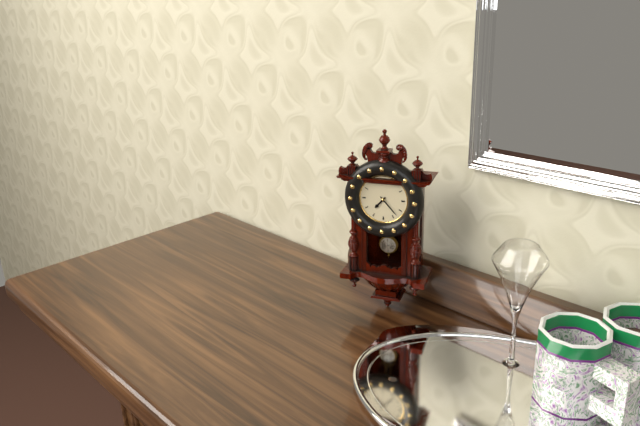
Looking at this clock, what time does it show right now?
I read 7:23
